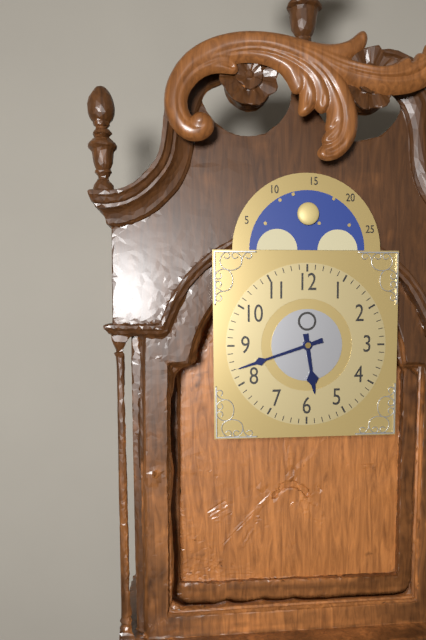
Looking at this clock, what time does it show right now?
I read 5:42
